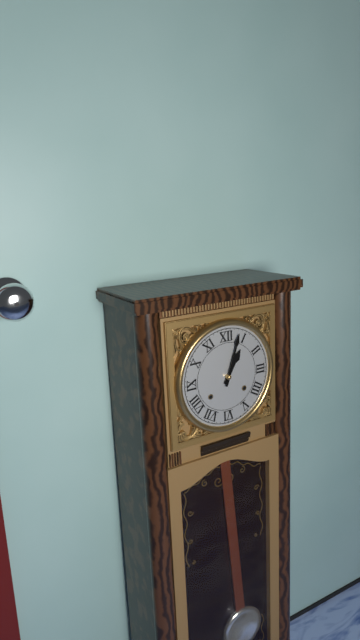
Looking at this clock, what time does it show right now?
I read 1:03
